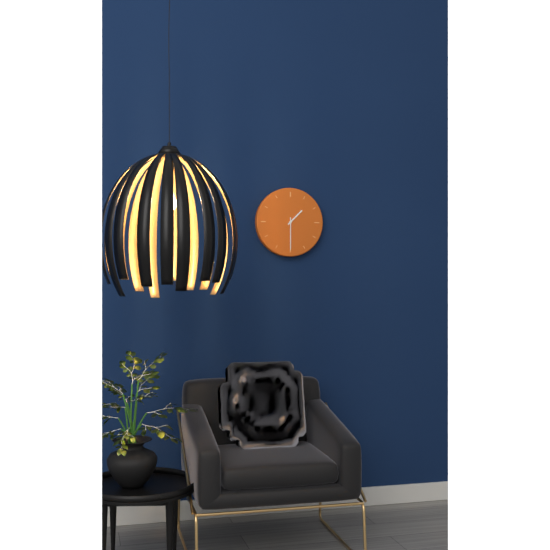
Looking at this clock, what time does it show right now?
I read 1:30
